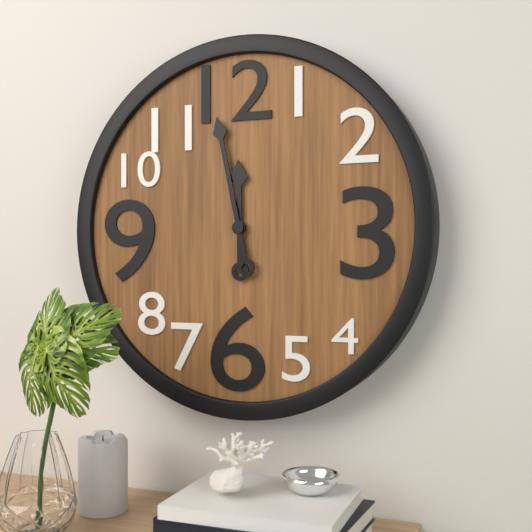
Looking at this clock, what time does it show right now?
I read 11:58
